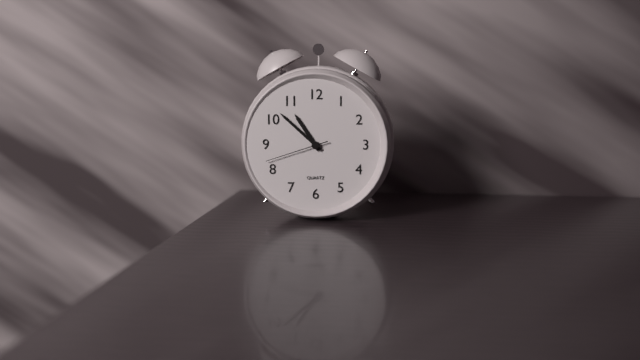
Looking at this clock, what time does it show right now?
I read 10:52:42
